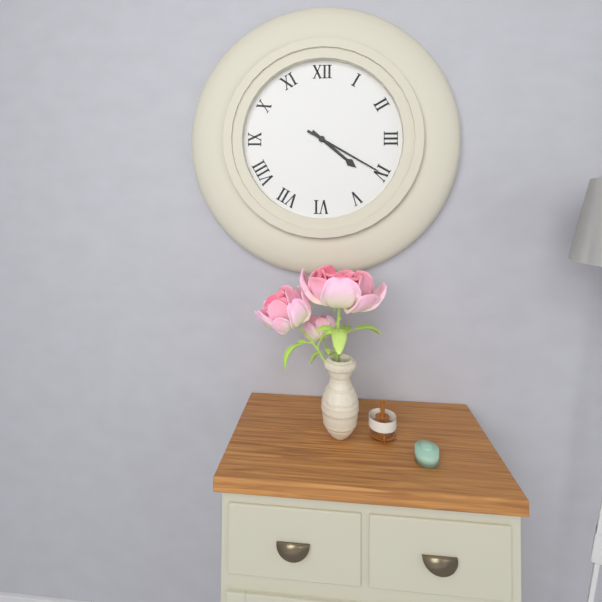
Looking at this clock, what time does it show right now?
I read 4:20
